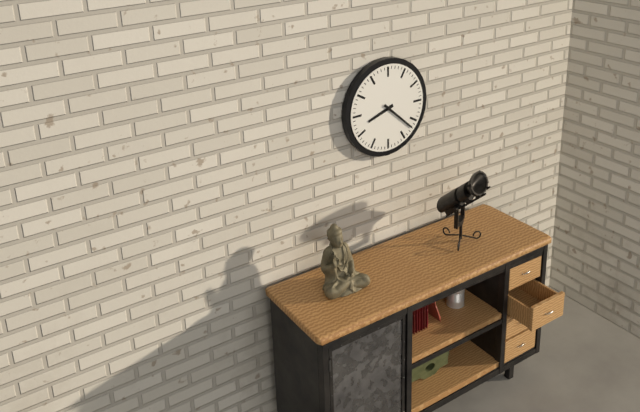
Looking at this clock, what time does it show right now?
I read 8:22
